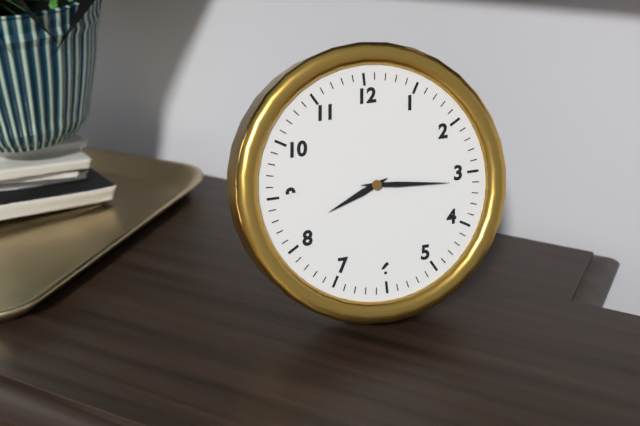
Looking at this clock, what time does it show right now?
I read 8:16
